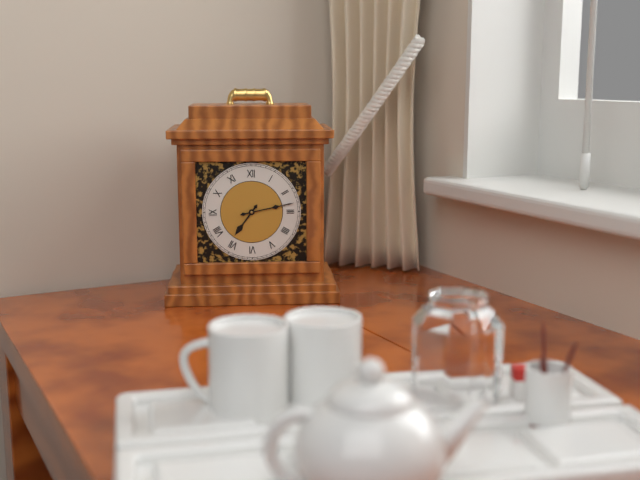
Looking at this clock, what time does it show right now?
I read 7:13
